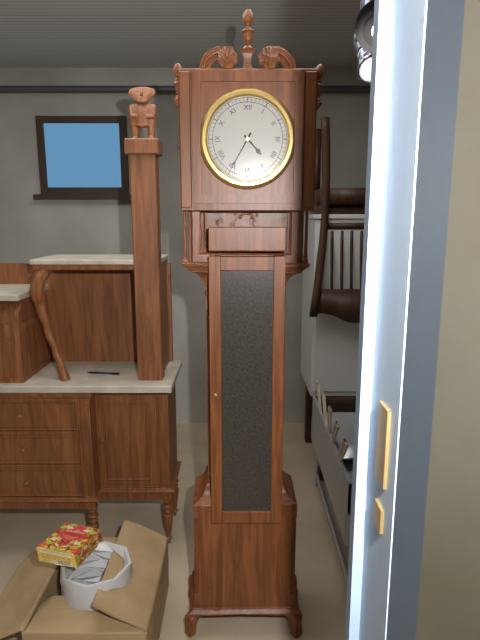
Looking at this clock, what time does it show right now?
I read 4:35
